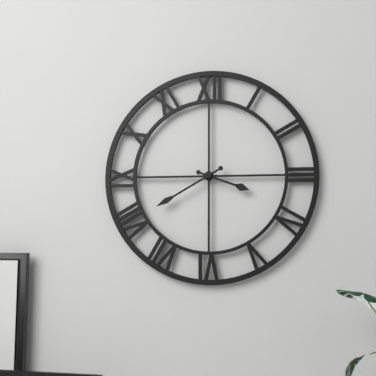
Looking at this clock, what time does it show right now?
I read 3:40
